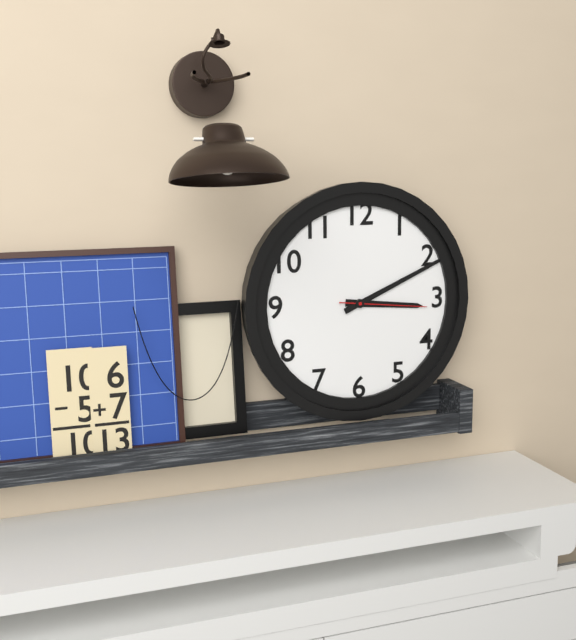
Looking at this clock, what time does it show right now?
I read 3:11:16
